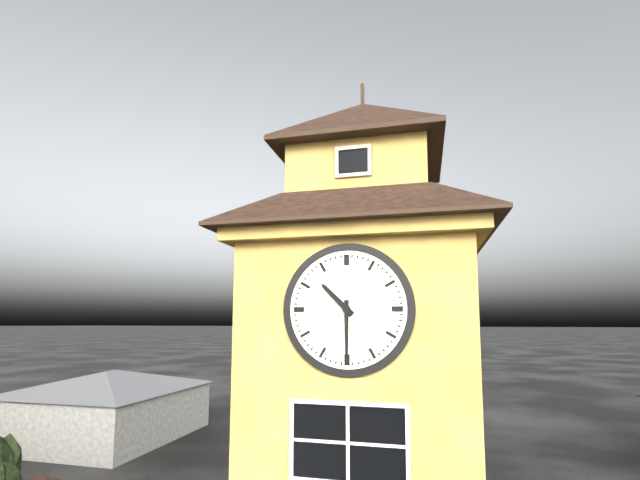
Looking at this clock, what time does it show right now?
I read 10:30
